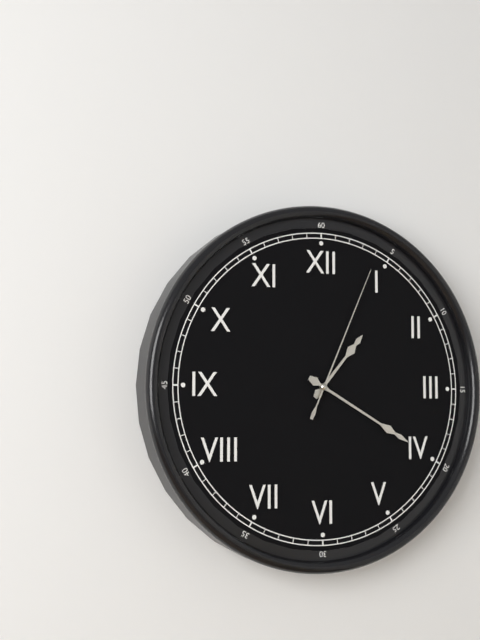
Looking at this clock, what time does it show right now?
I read 1:20:04
